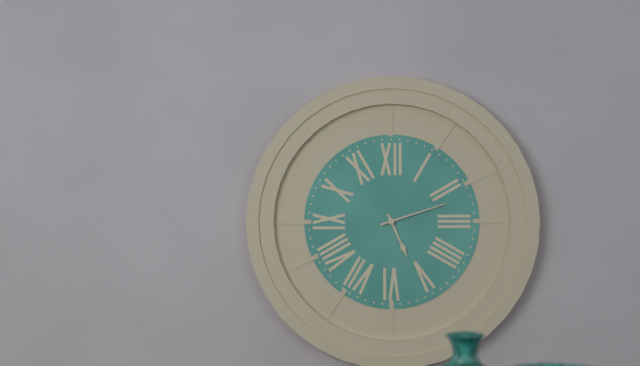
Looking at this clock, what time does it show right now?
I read 5:12
